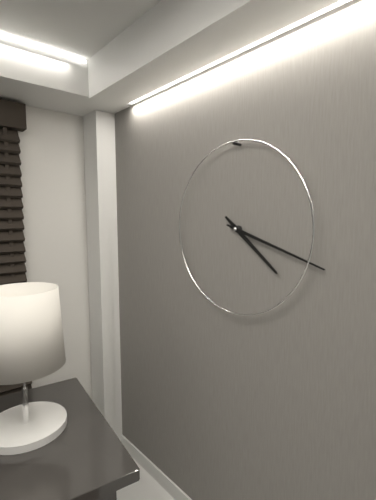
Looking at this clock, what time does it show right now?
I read 4:18
